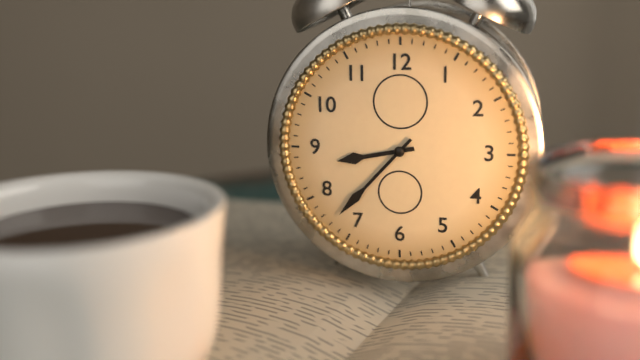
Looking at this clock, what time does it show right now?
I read 8:37
